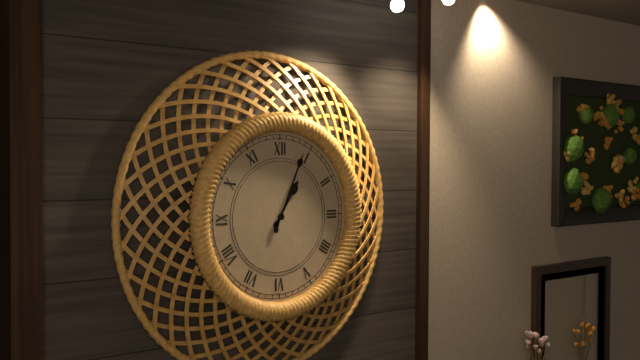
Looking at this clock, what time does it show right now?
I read 1:04
